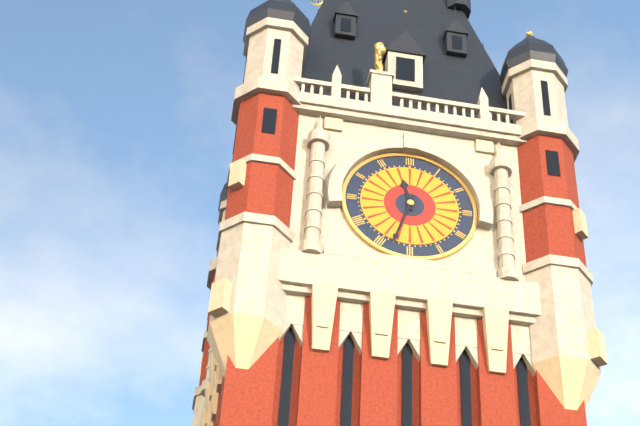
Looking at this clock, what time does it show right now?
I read 11:33
